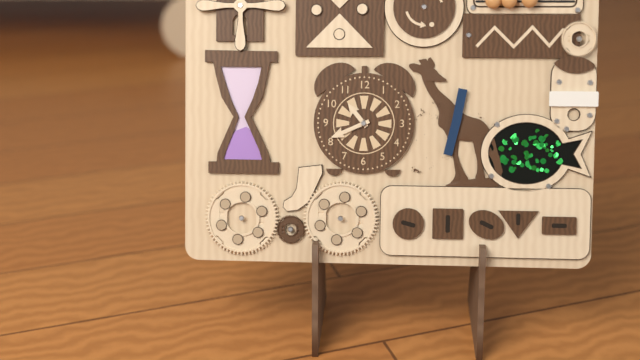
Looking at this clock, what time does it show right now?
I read 10:41
